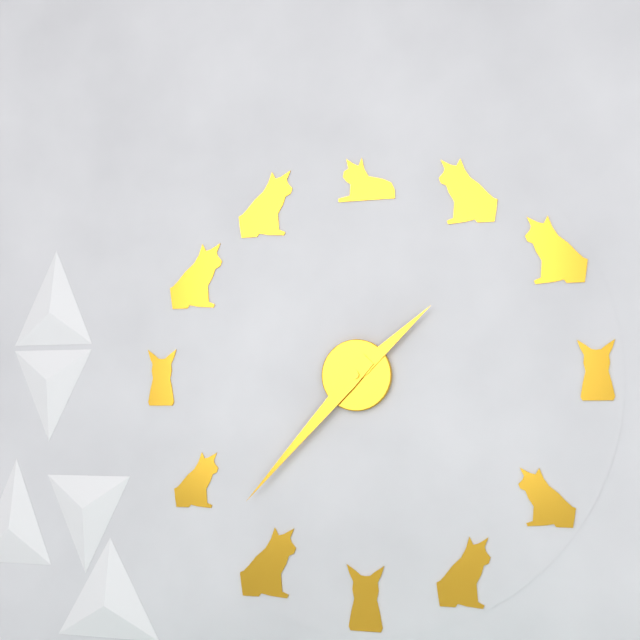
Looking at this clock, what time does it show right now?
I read 1:37
